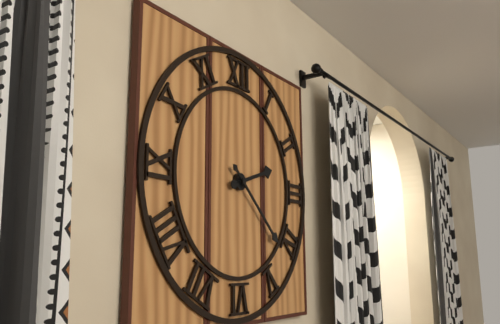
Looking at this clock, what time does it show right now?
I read 2:22
